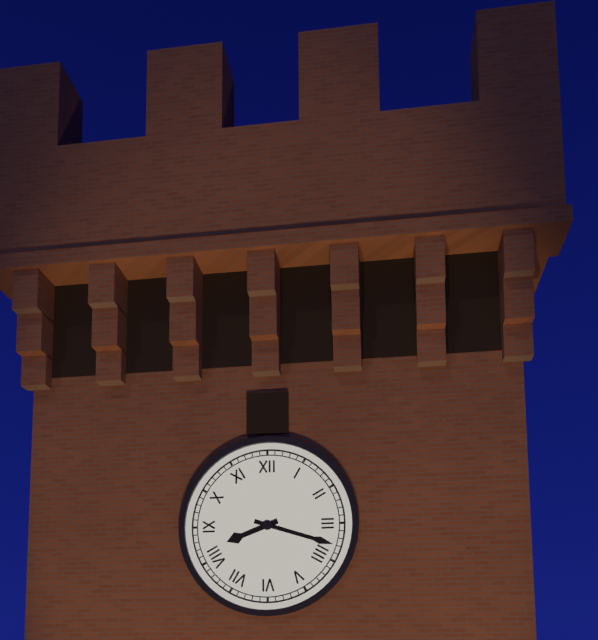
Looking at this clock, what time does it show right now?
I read 8:18
